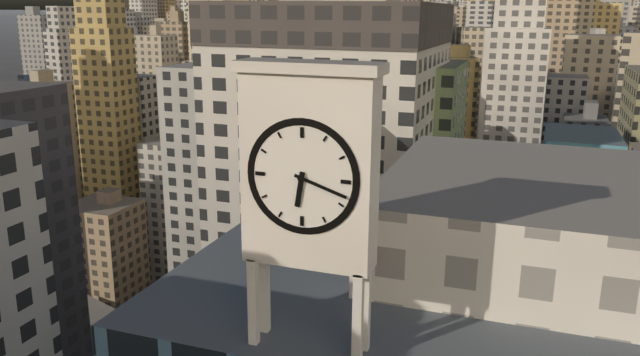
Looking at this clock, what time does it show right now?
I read 6:18
